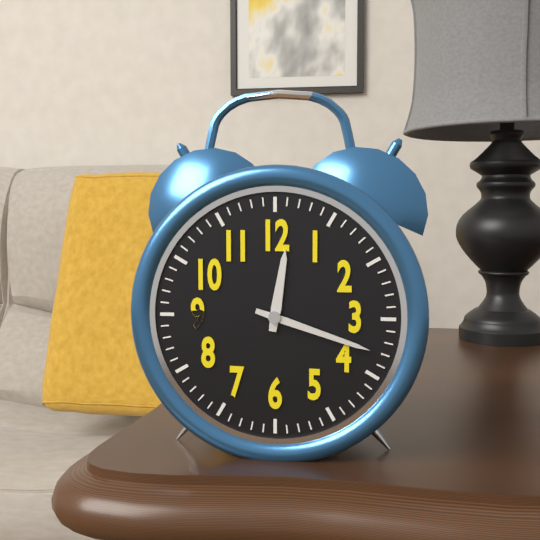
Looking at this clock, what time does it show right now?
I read 12:18
